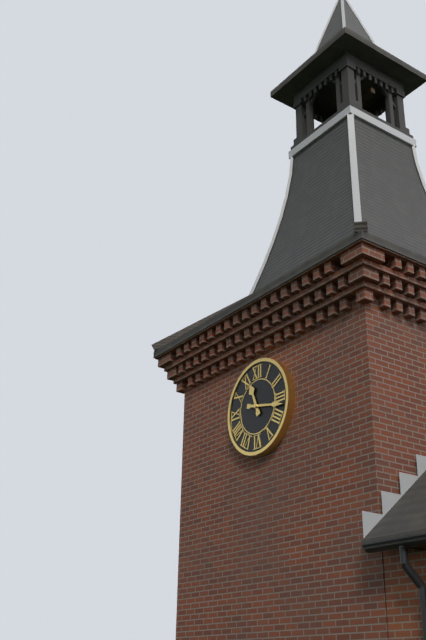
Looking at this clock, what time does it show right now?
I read 11:17
